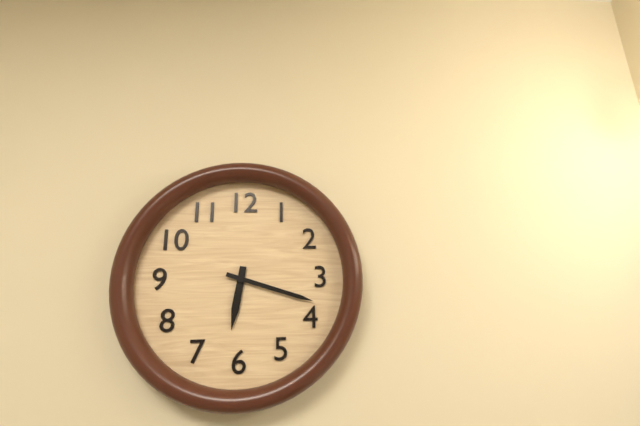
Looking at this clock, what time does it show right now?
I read 6:18
